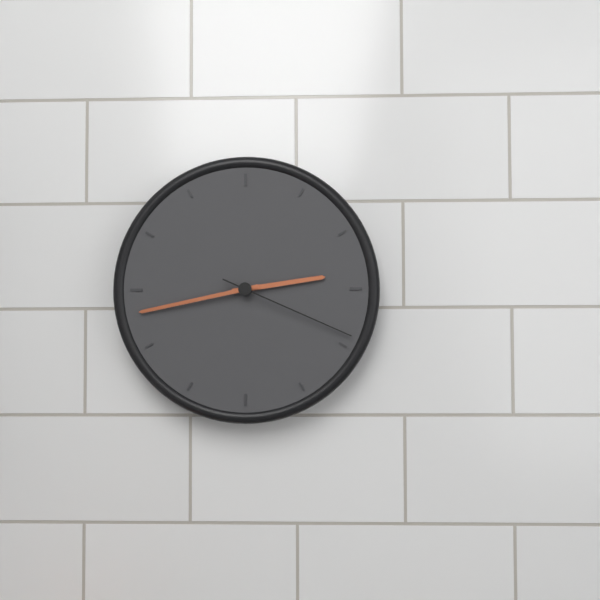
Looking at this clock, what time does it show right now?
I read 2:43:19
